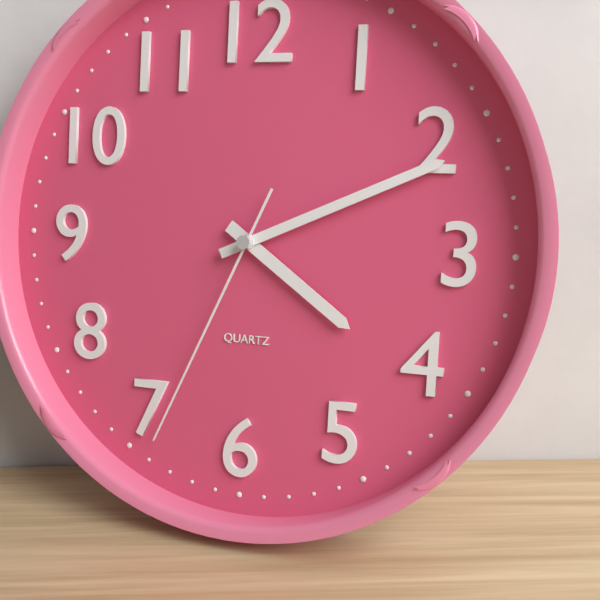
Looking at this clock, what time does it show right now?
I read 4:11:34
